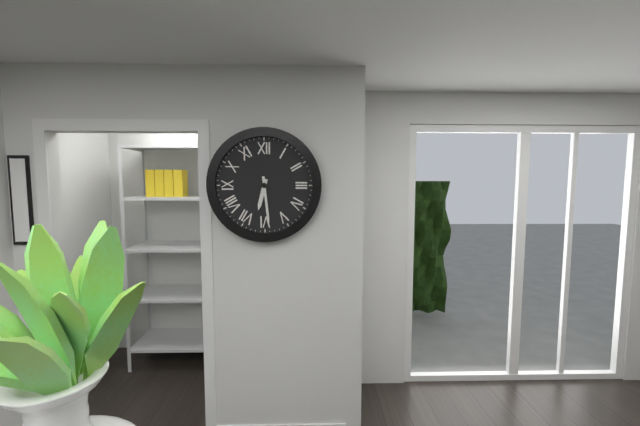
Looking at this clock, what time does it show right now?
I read 6:29
